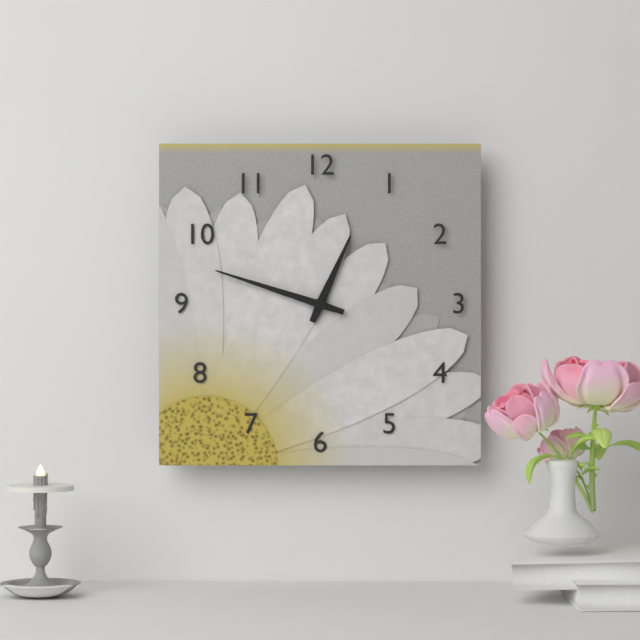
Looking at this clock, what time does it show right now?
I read 12:48
